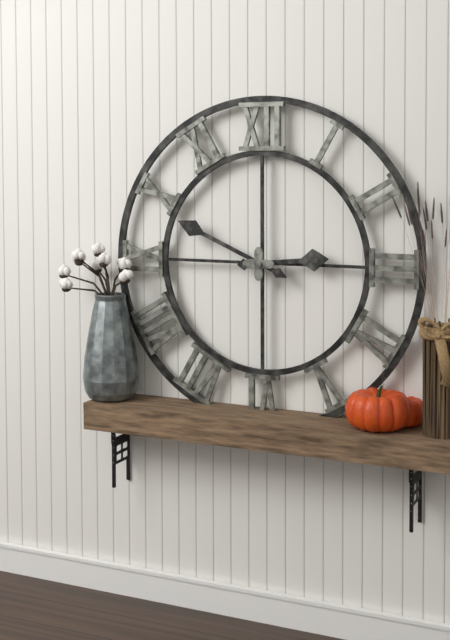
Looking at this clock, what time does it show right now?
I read 2:49
